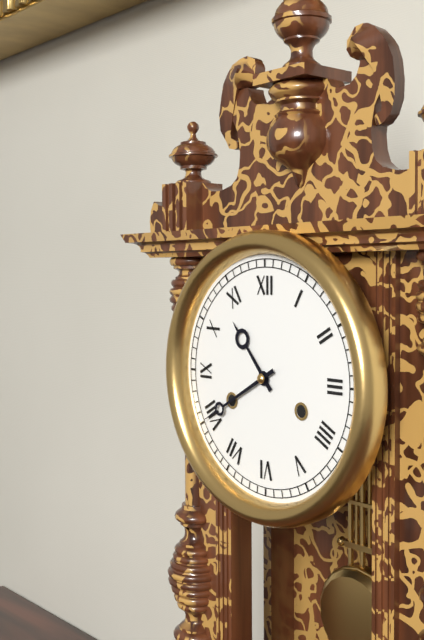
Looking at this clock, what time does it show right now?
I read 10:40
